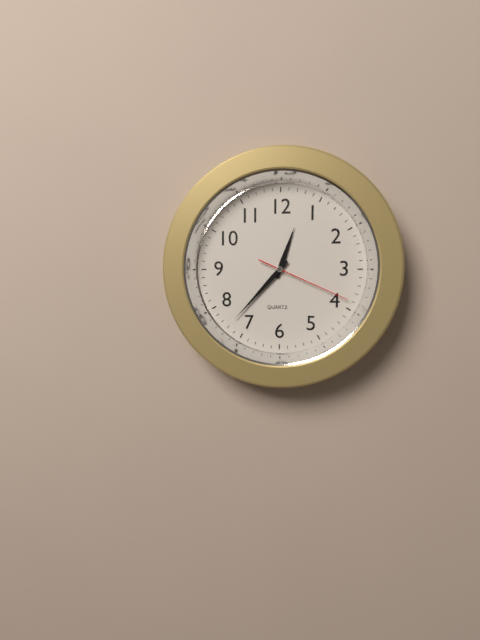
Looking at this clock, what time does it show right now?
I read 12:37:19
